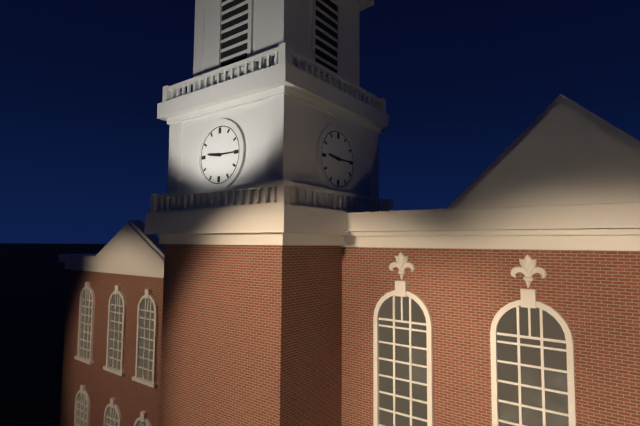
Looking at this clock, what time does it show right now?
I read 9:15
